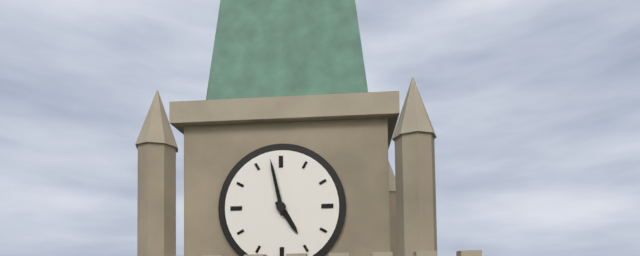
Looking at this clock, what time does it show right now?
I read 4:58
